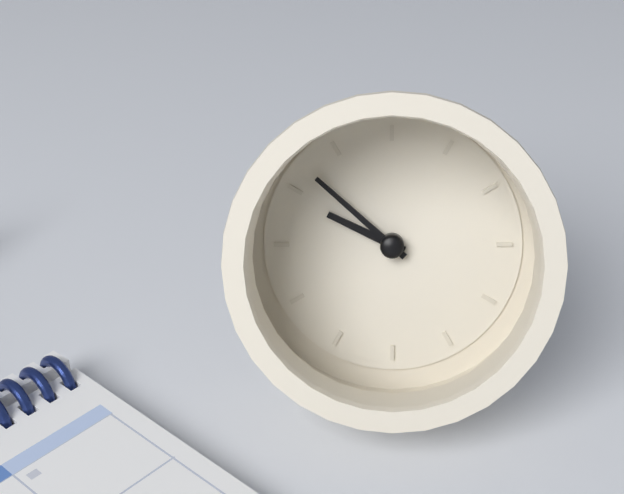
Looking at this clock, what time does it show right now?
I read 9:52
